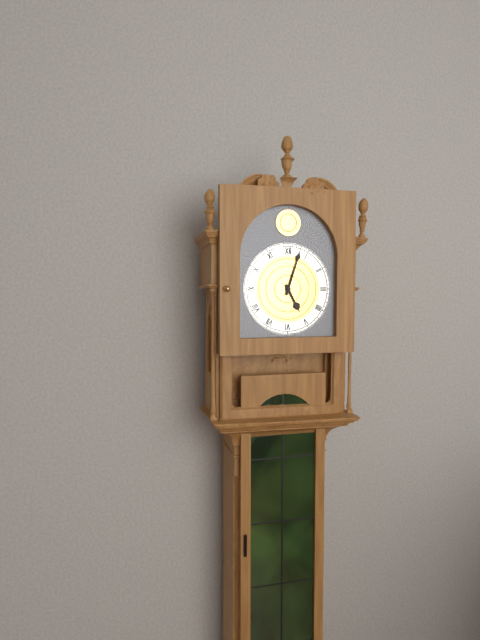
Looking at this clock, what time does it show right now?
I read 5:03
